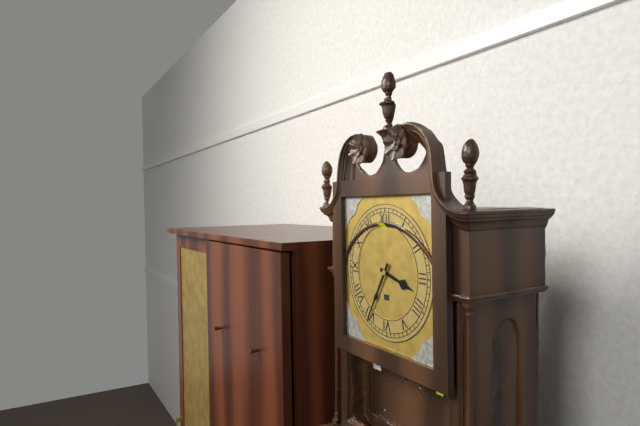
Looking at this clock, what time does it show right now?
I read 3:35
